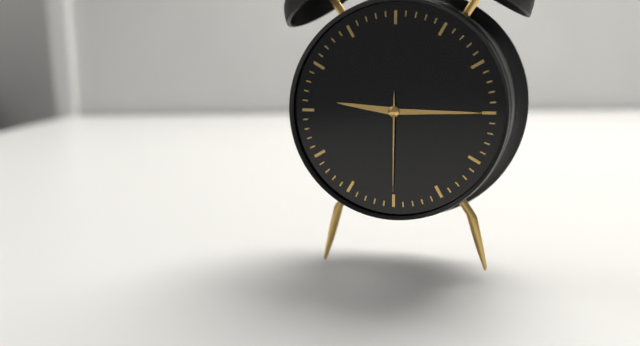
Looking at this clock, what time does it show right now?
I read 9:15:30
